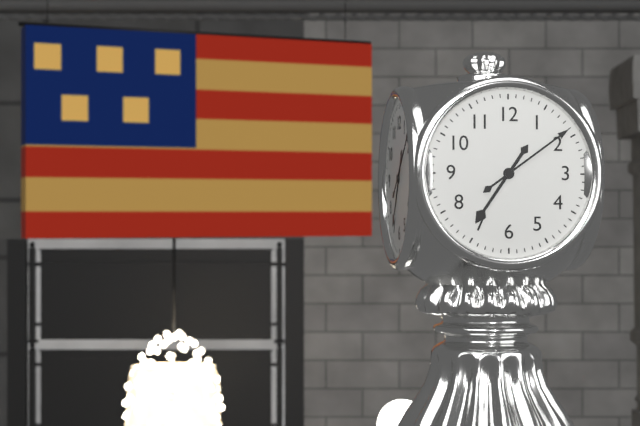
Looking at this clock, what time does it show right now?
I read 7:09
